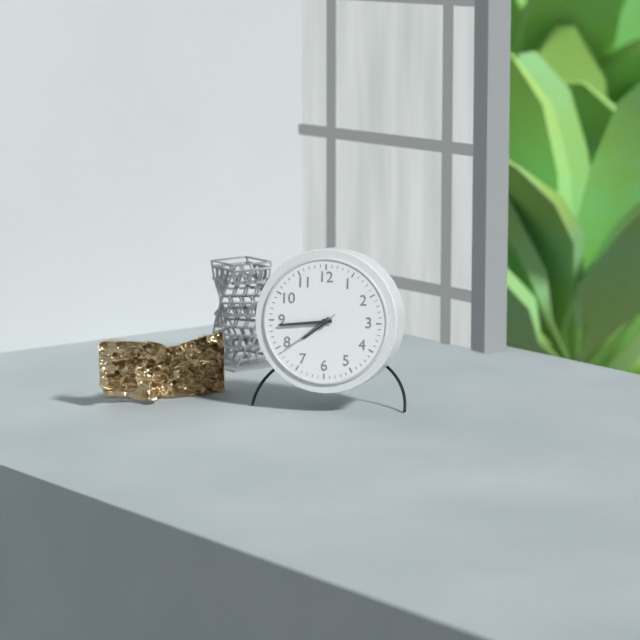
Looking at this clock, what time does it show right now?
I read 7:44:39
